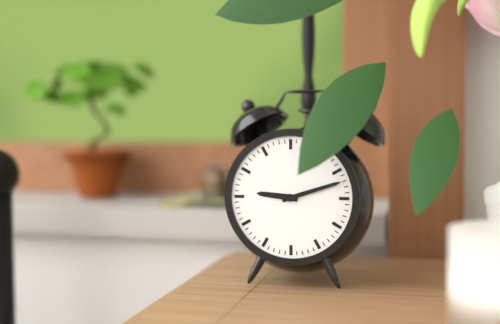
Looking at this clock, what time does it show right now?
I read 9:12
